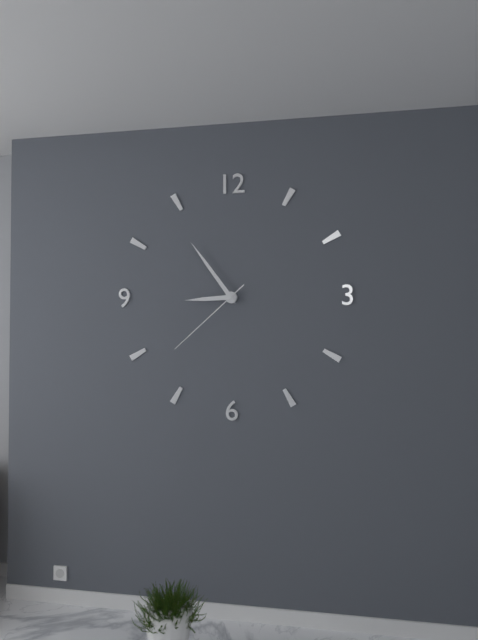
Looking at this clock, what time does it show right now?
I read 8:54:38
